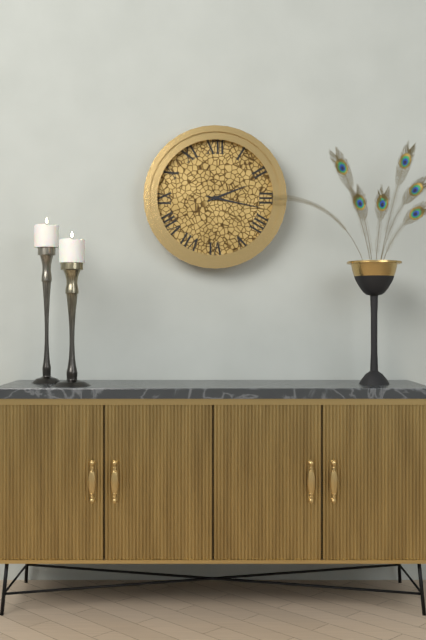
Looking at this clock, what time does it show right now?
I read 2:17
